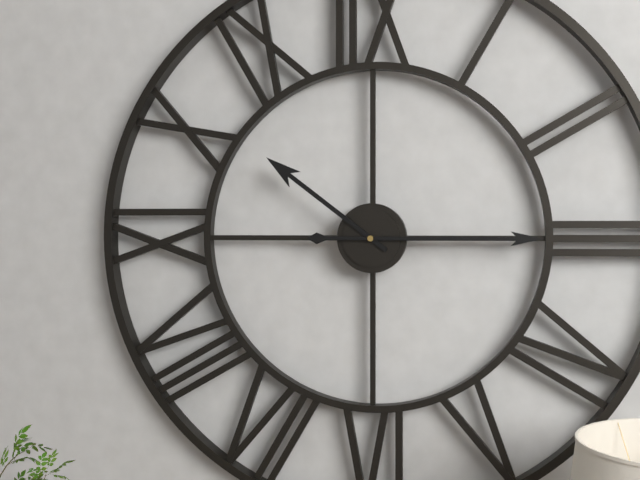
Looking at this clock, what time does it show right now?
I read 10:15
